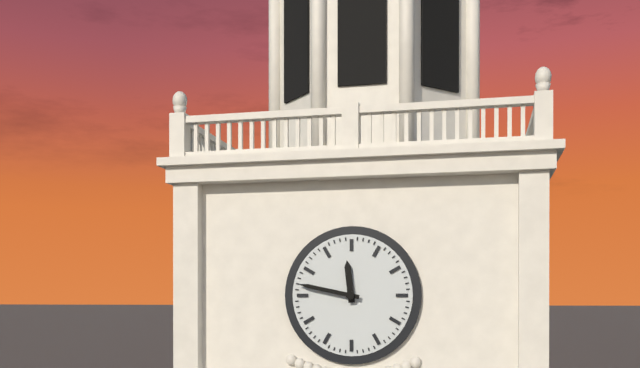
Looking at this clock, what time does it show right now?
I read 11:47
